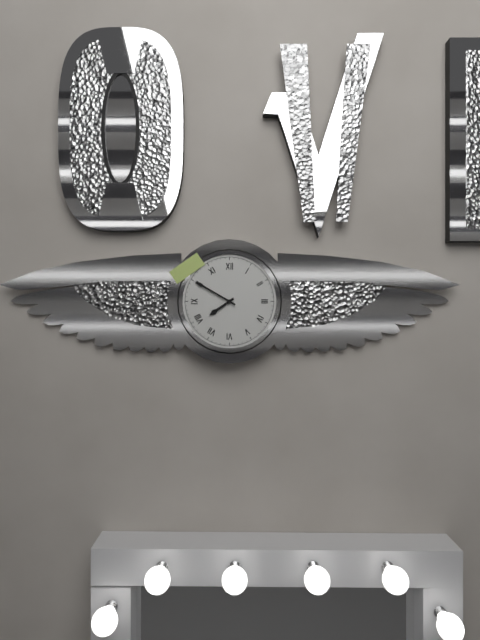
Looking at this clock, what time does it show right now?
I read 7:50
